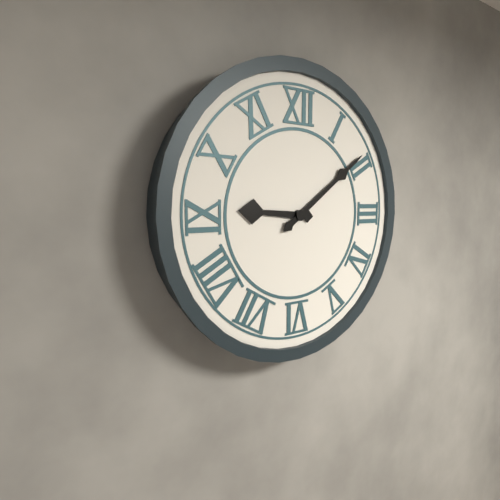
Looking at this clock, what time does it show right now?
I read 9:09
